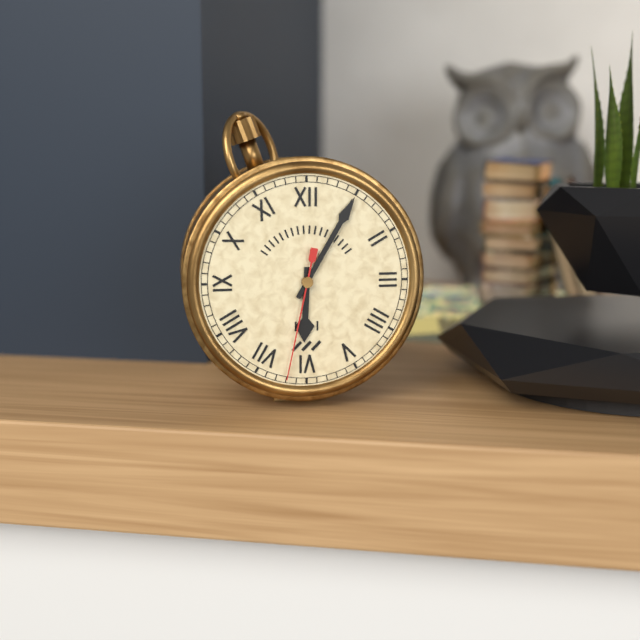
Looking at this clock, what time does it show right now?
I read 6:05:32
